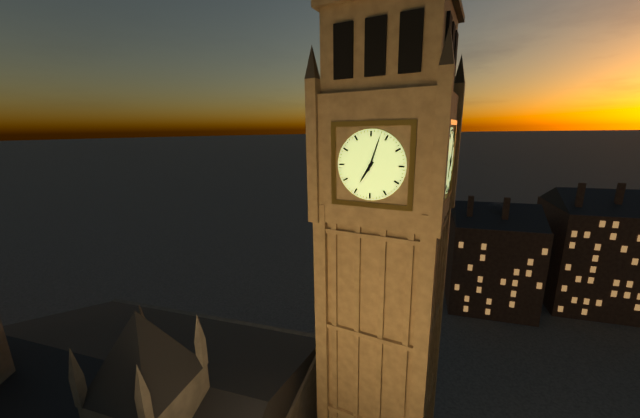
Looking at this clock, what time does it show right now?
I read 7:03
